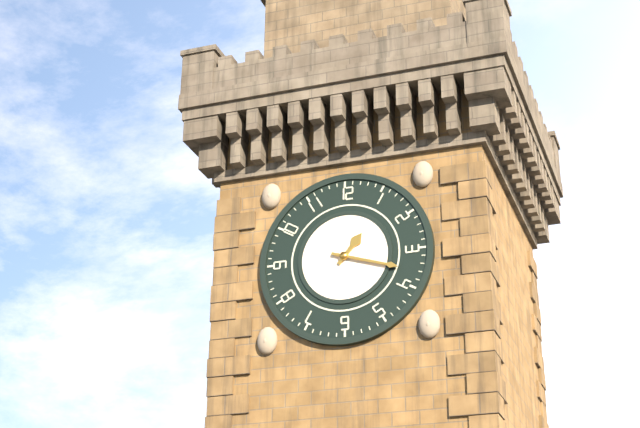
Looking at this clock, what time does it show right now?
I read 1:18
